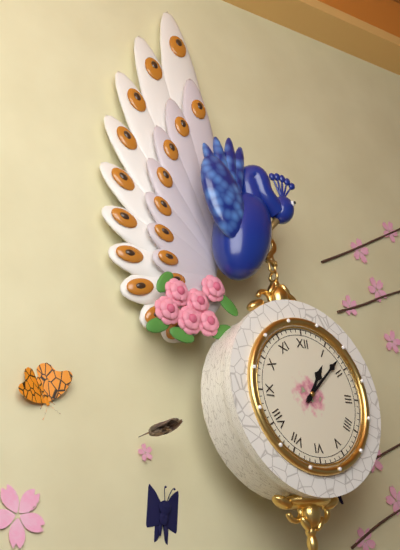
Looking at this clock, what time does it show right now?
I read 1:08
